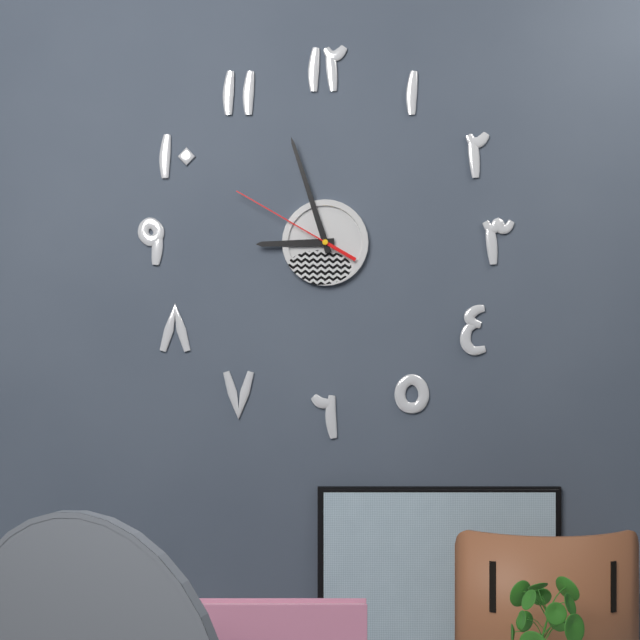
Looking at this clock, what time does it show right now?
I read 8:57:50
